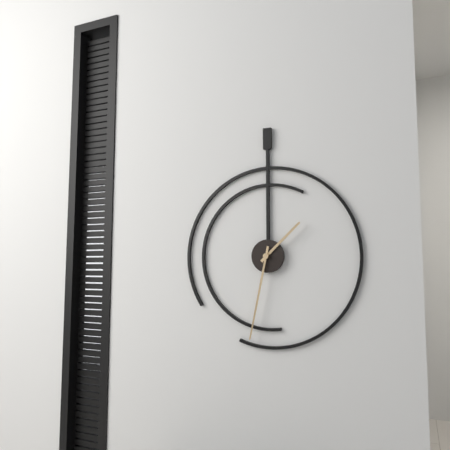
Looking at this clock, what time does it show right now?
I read 1:32
